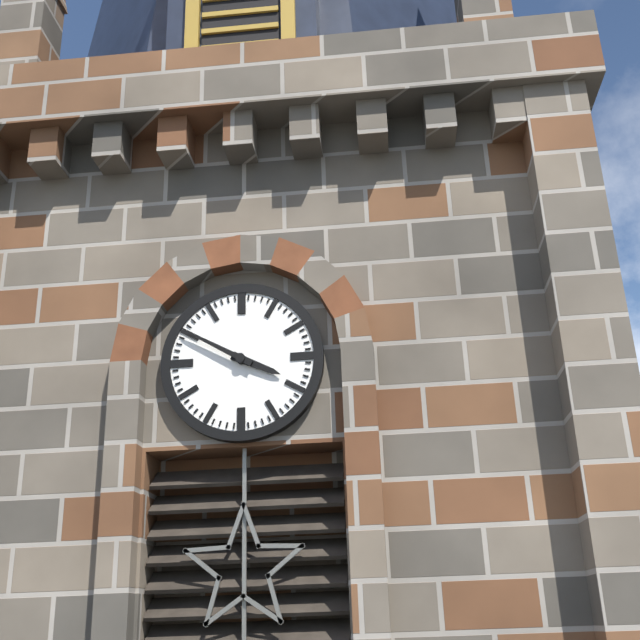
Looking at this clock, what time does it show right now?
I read 3:50
